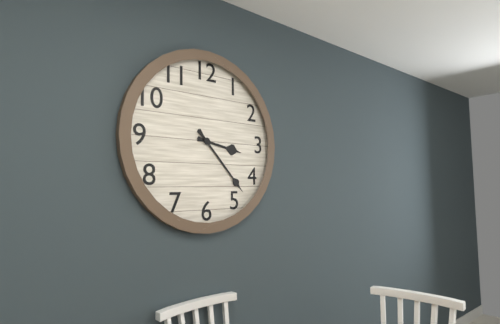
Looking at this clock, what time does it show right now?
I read 3:23
